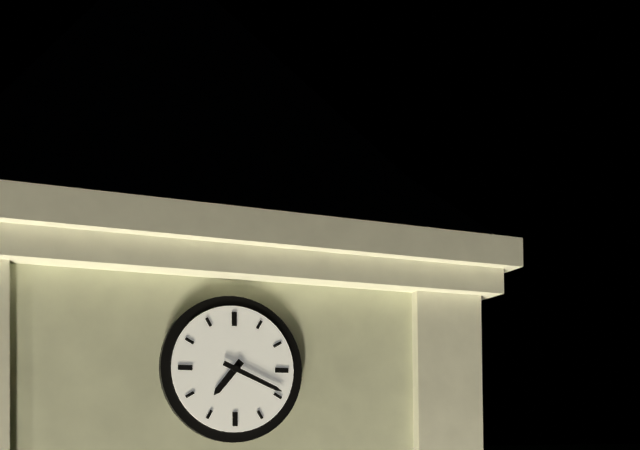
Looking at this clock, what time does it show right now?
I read 7:19
